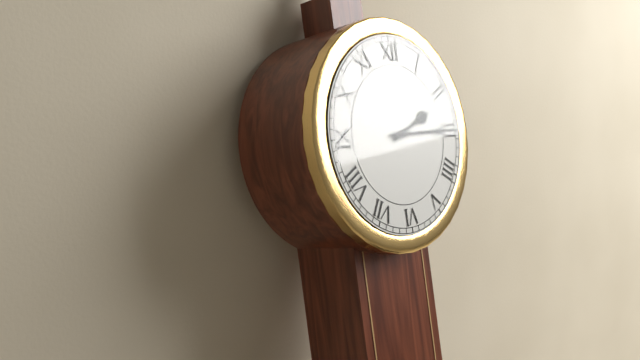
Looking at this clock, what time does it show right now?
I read 2:15
